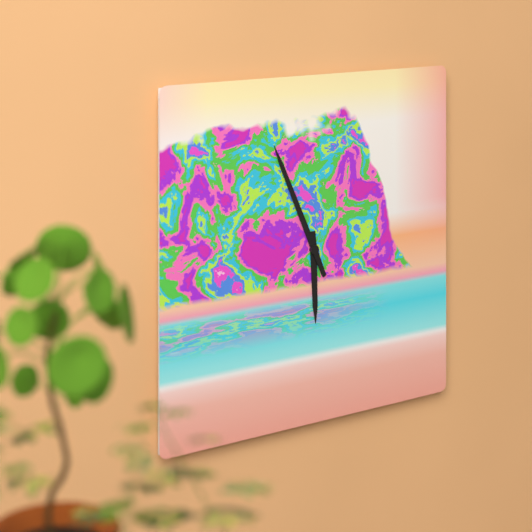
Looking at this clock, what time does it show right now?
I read 5:56
